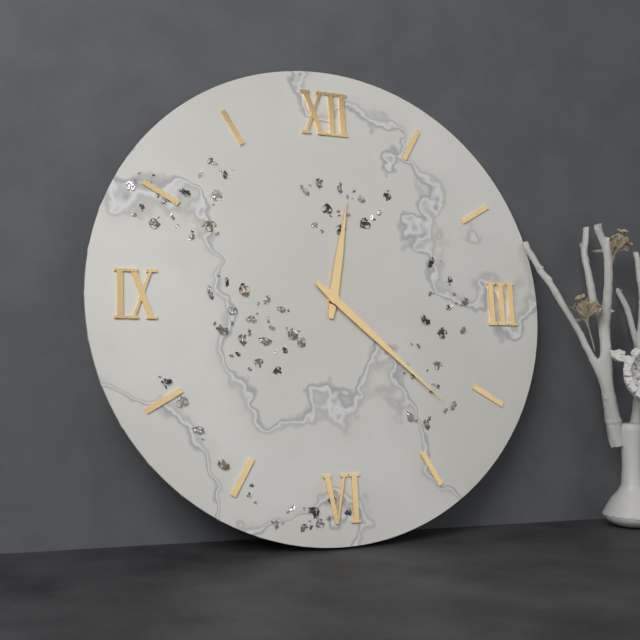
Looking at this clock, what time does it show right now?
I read 12:22
